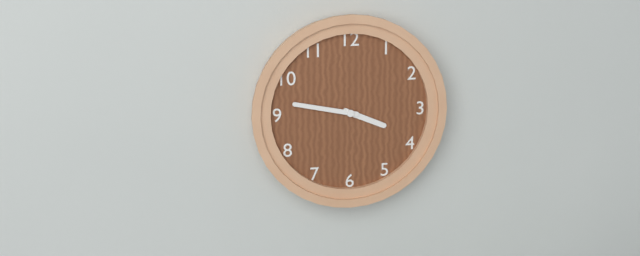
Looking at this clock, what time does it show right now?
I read 3:47
